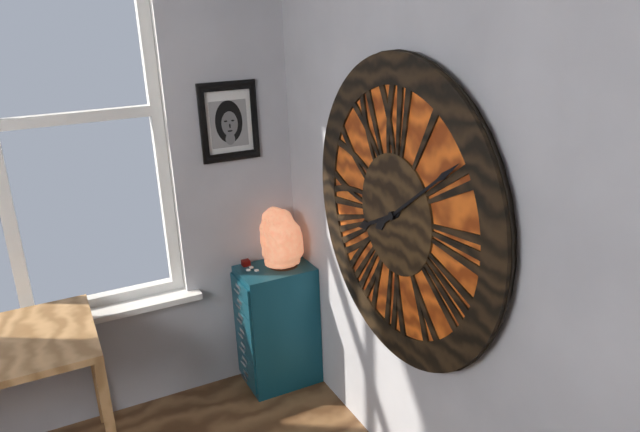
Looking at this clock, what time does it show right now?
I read 8:09
